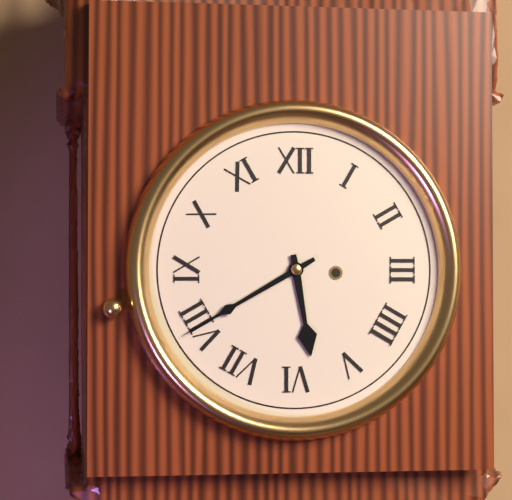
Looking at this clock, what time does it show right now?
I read 5:40
